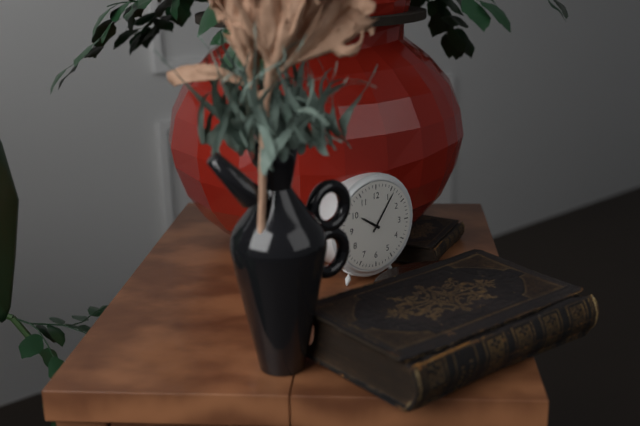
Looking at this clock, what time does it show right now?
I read 10:06
